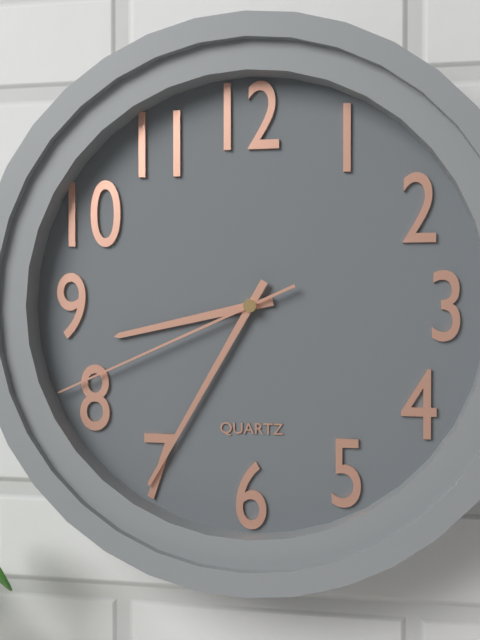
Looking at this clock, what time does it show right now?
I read 8:35:41
